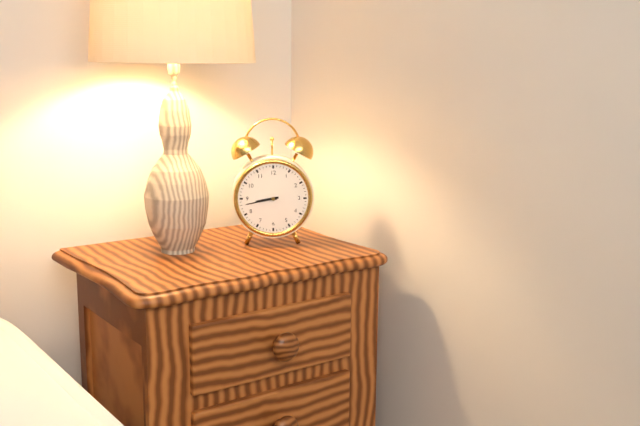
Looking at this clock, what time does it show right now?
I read 8:43
